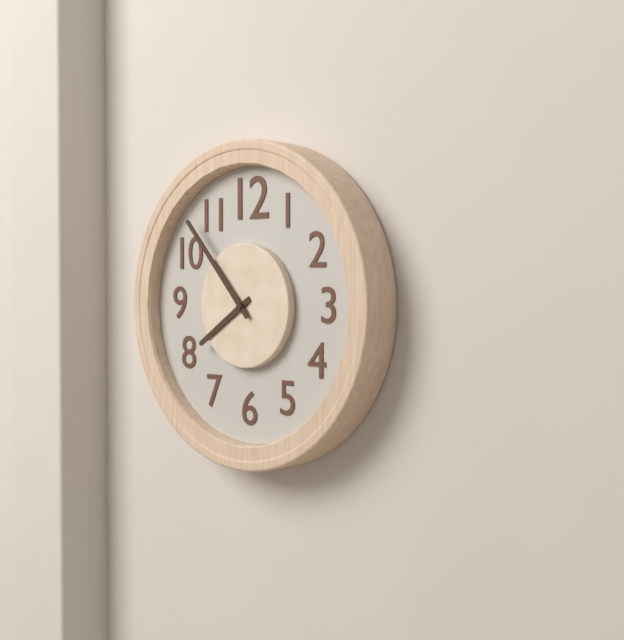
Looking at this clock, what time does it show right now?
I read 7:53
